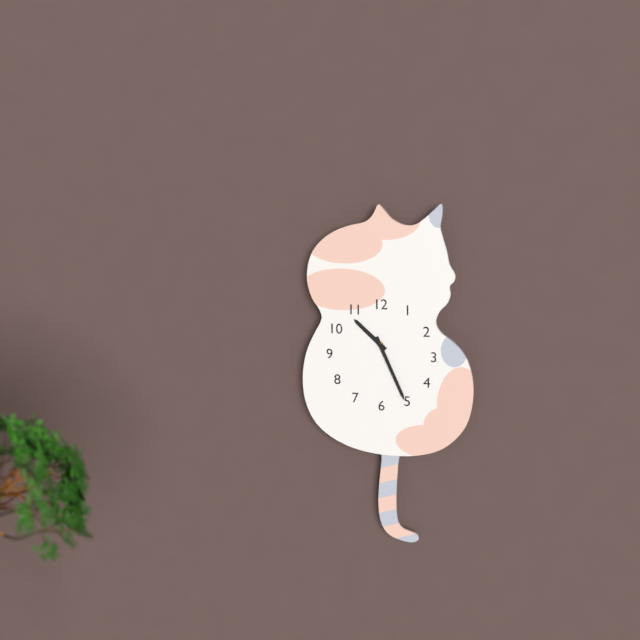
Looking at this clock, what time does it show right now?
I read 10:26
